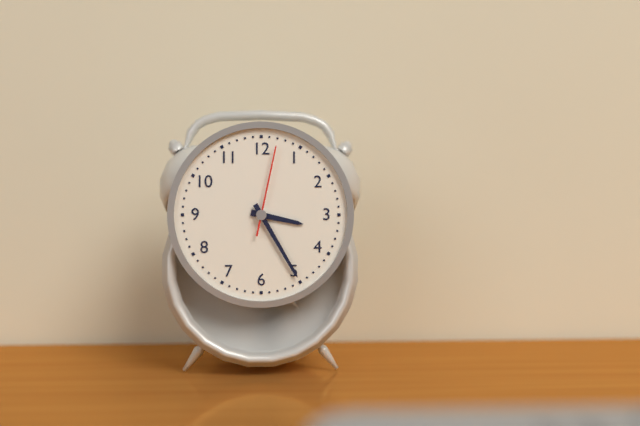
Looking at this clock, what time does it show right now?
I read 3:25:02
